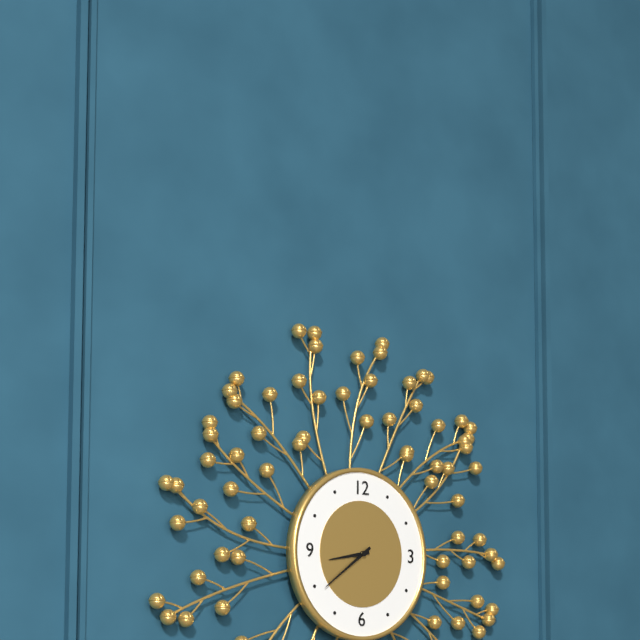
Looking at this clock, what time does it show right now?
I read 8:39
